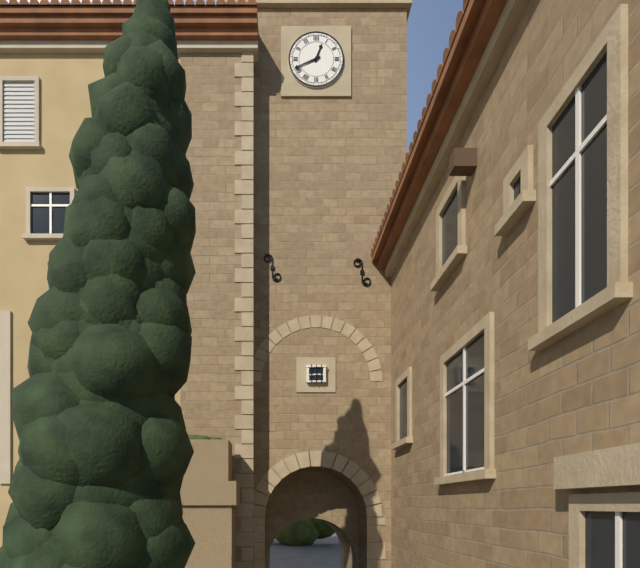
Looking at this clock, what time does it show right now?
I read 12:41
